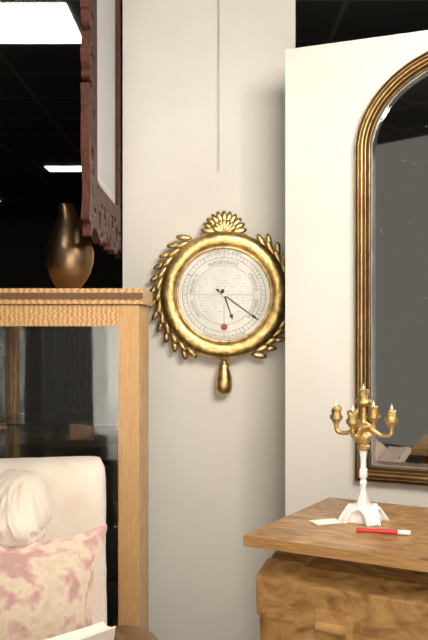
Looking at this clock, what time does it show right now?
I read 5:21
